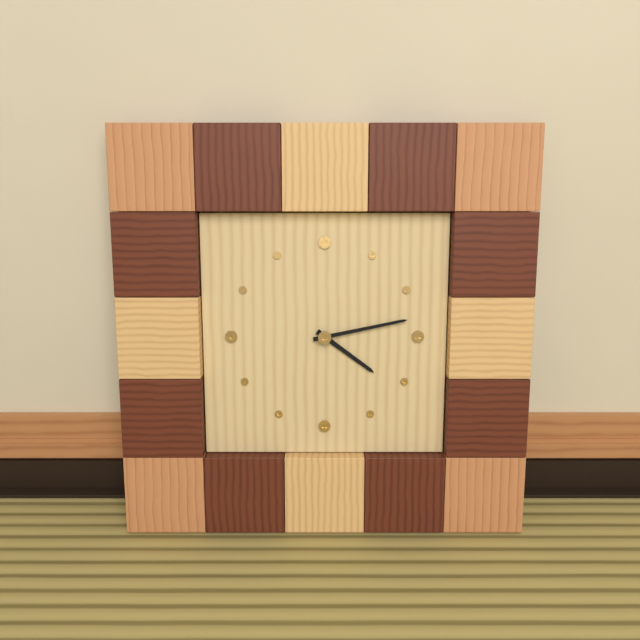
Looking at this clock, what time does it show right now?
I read 4:13
